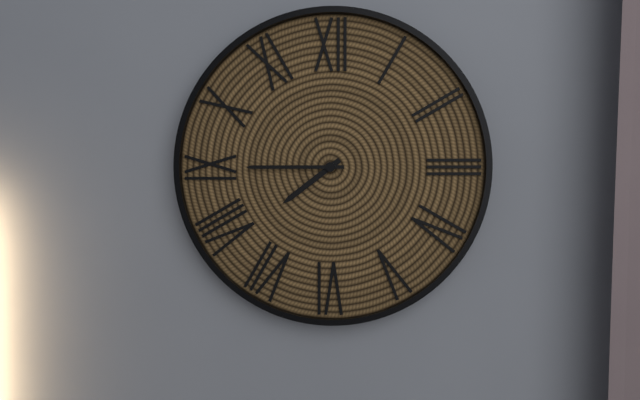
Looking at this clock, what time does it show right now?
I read 7:45
